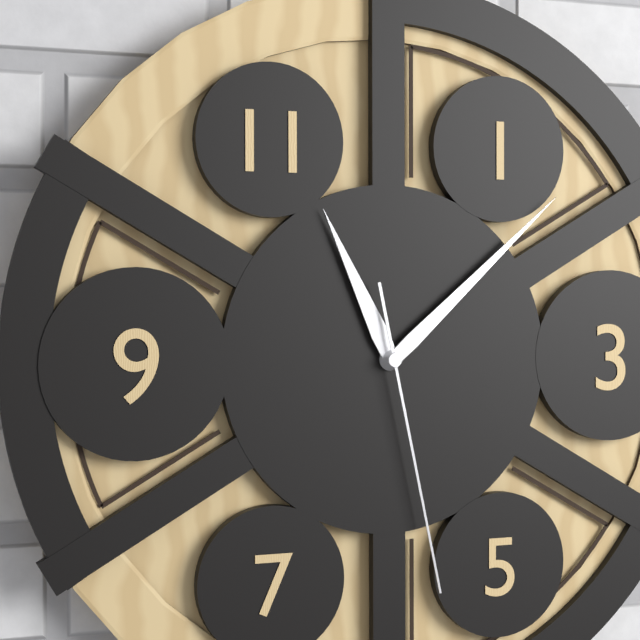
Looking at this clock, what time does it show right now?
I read 11:08:28
